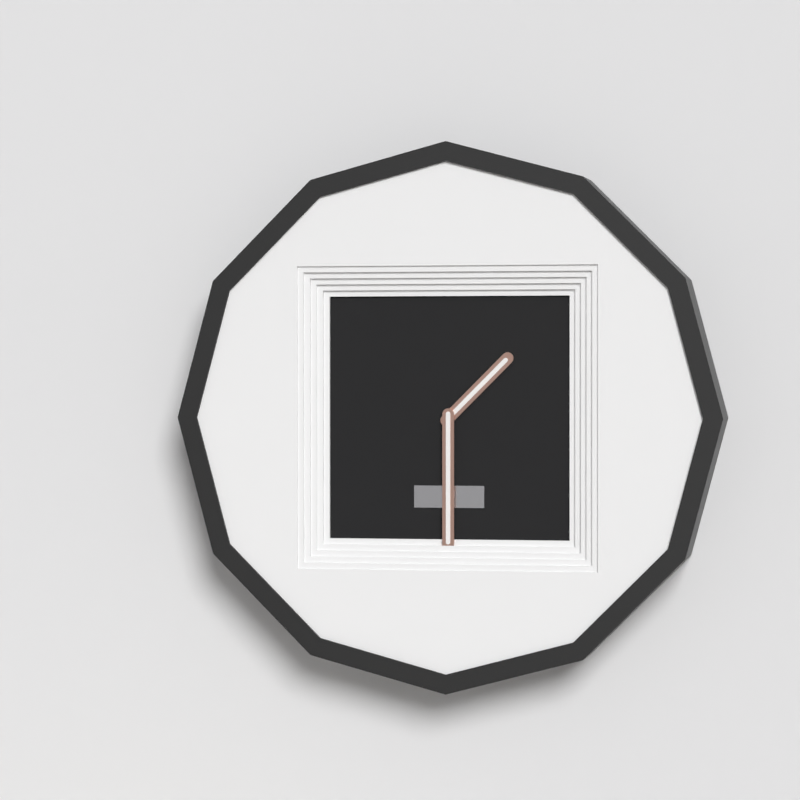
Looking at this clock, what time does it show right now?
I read 1:30
